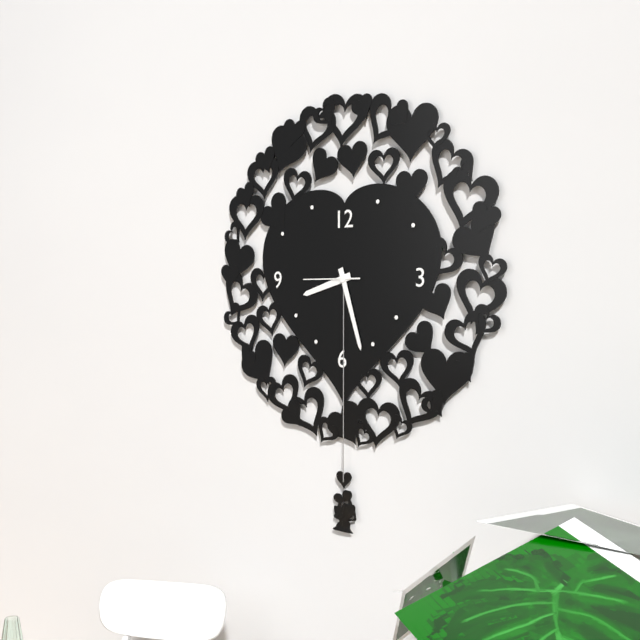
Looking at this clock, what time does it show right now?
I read 8:27
